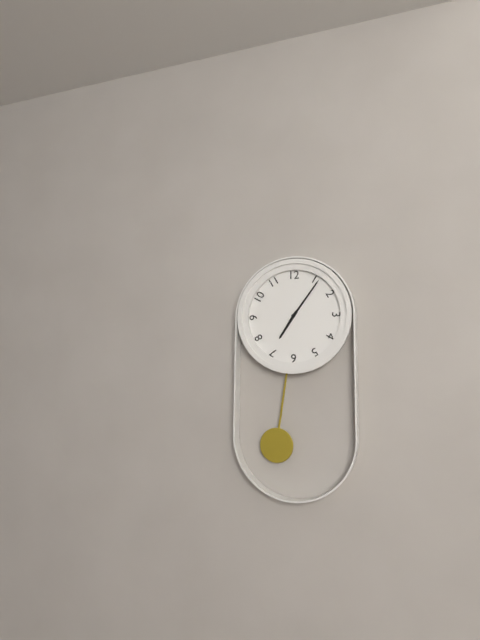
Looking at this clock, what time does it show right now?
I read 7:06
